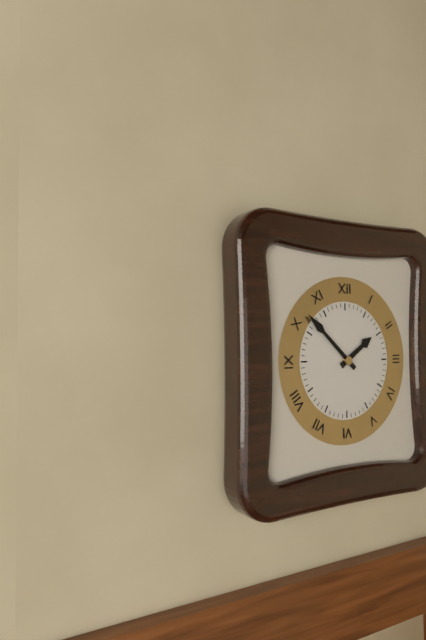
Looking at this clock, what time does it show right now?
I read 1:52
